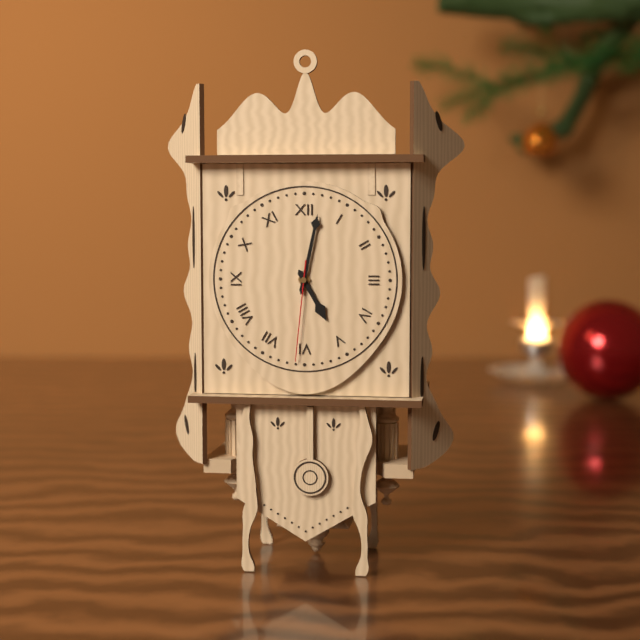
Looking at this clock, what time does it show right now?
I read 5:02:31
